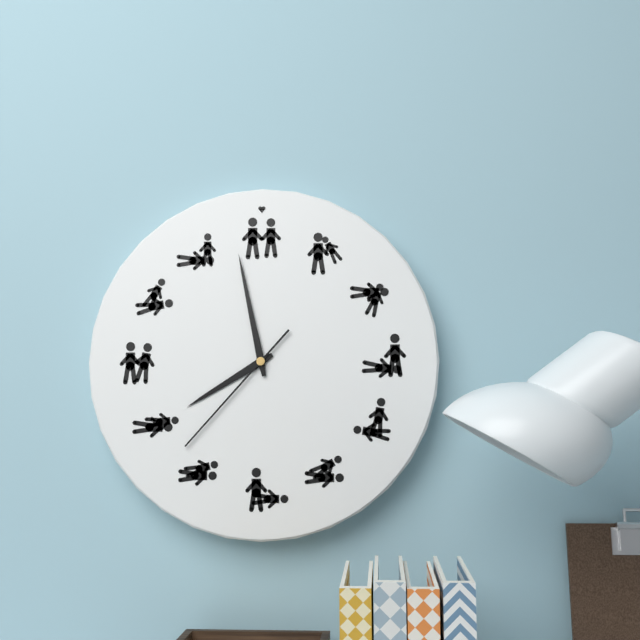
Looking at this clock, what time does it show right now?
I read 7:58:37
